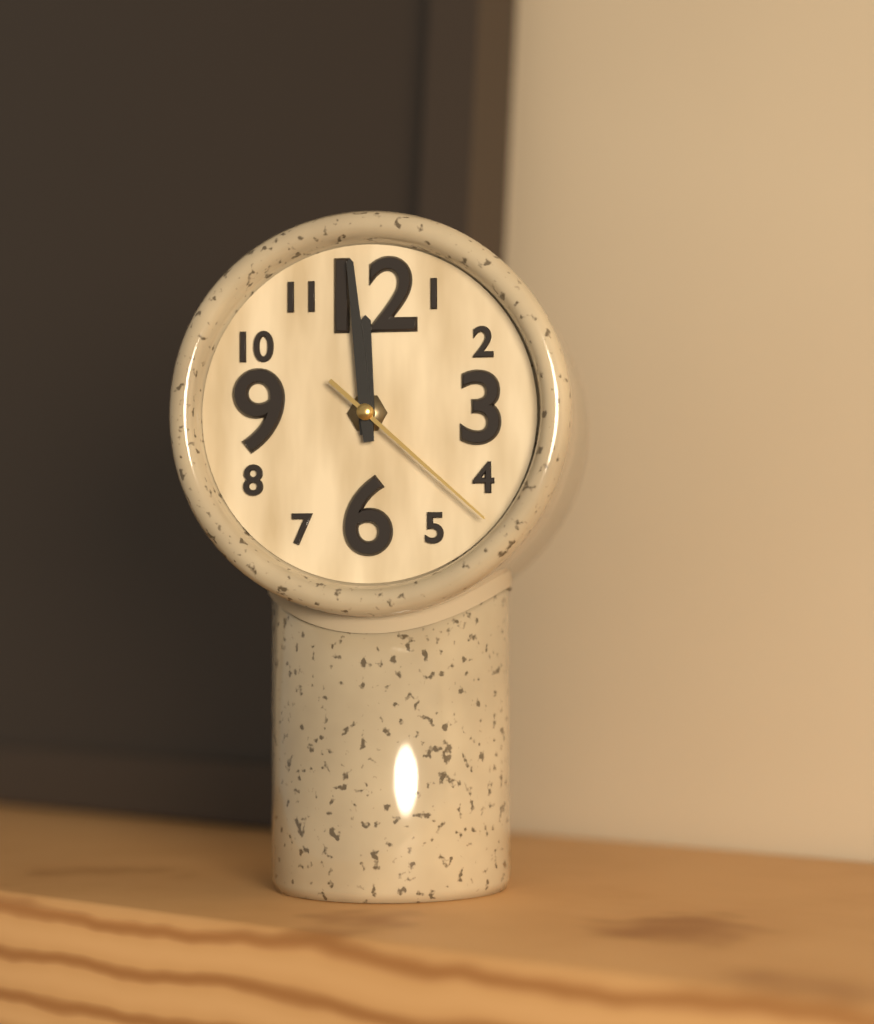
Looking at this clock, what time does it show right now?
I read 11:59:22
